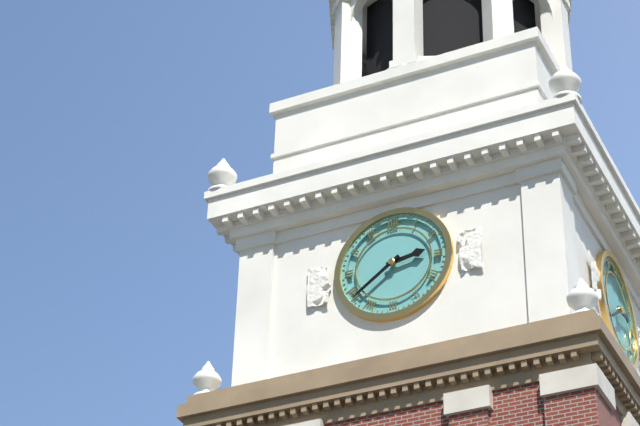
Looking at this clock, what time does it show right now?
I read 2:39
